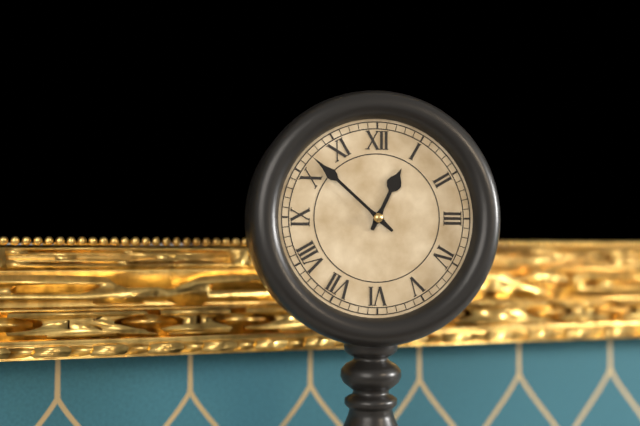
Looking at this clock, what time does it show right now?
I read 12:52
